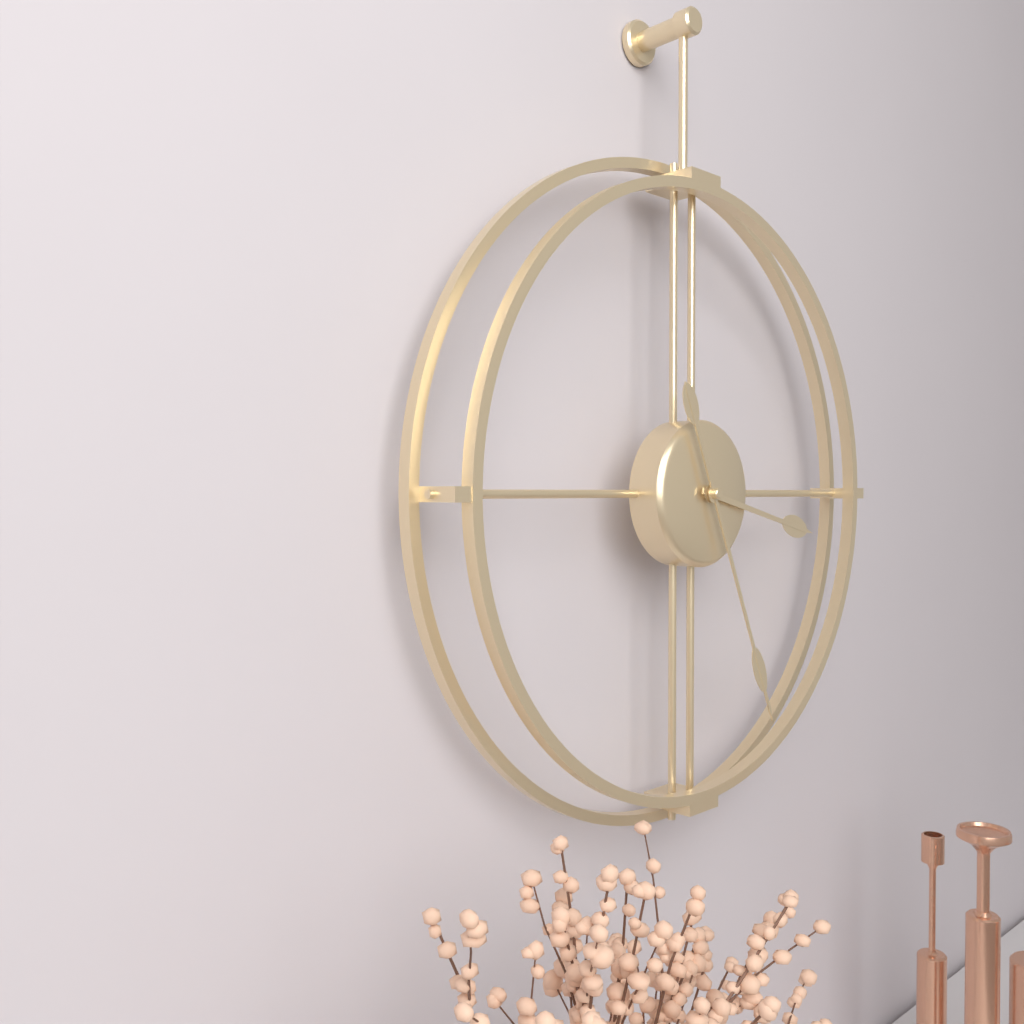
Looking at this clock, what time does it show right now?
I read 3:26
